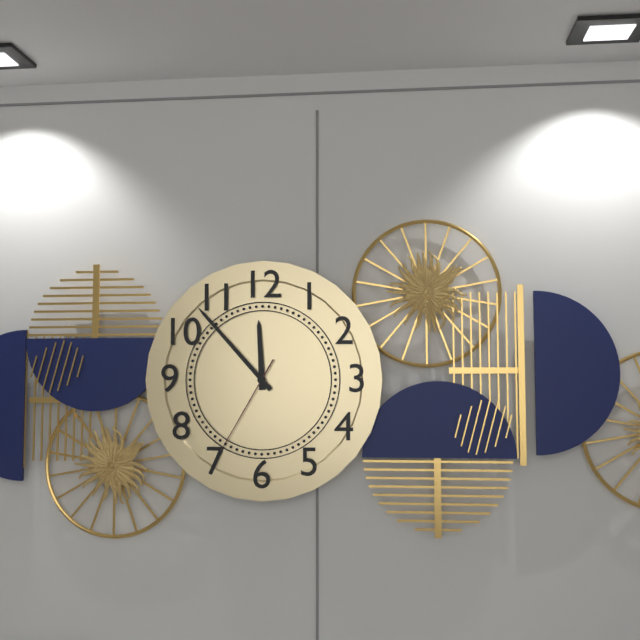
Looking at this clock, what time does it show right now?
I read 11:53:35
